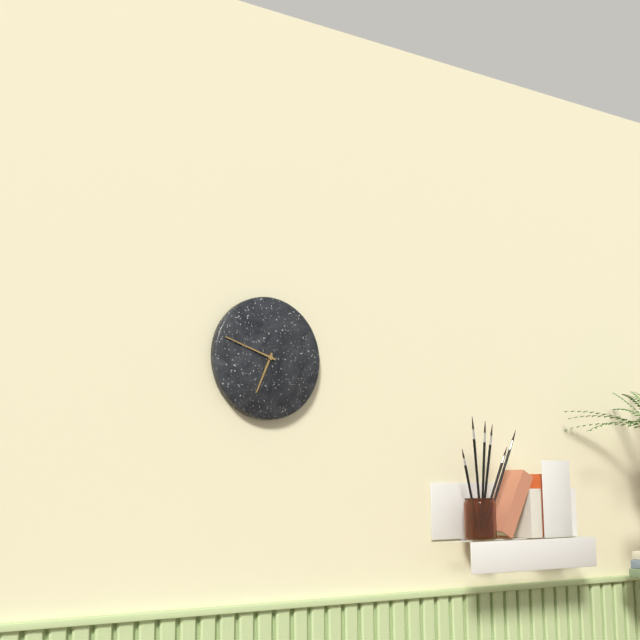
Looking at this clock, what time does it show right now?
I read 6:48
